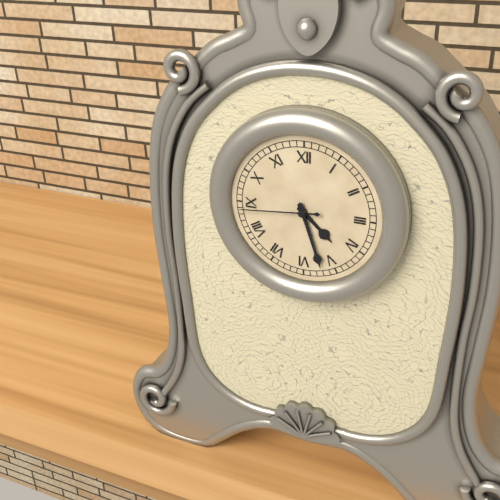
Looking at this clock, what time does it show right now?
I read 4:27:44
